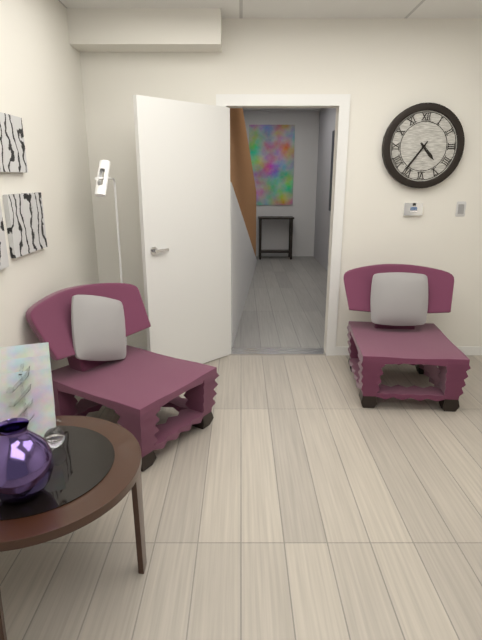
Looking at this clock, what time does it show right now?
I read 4:36
